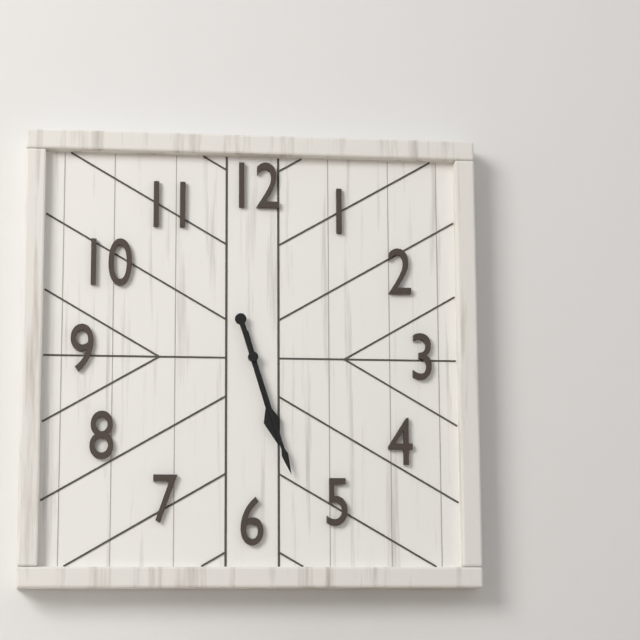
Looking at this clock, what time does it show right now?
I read 5:27
